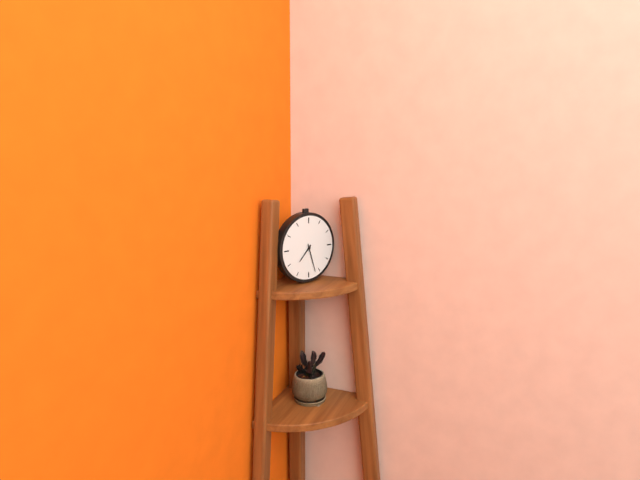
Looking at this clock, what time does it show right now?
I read 7:27
